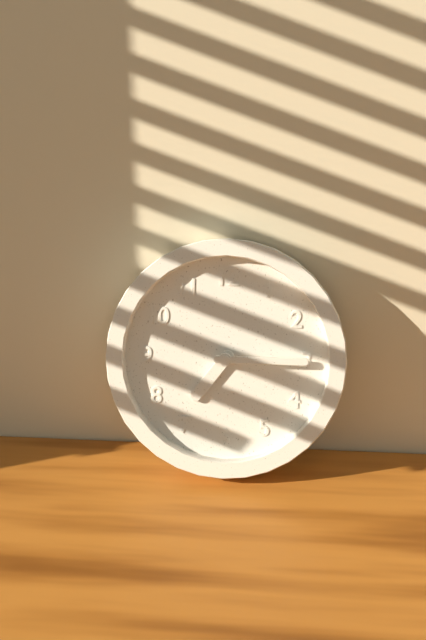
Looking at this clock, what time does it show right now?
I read 7:15
